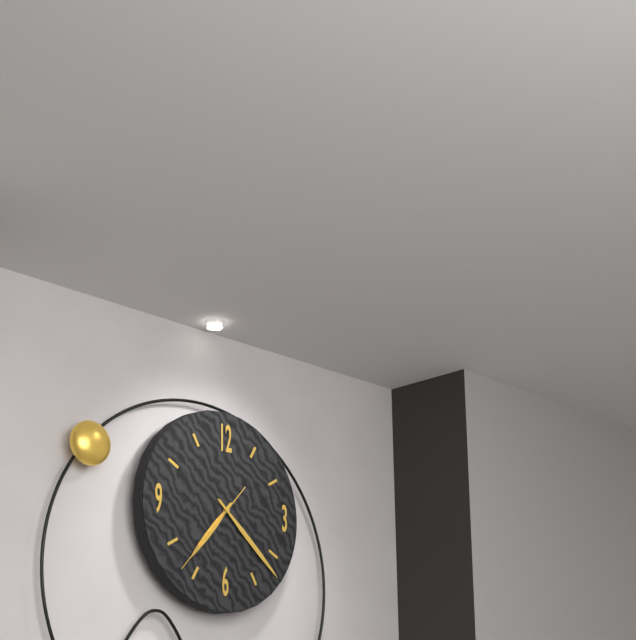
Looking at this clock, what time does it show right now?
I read 7:22:37
